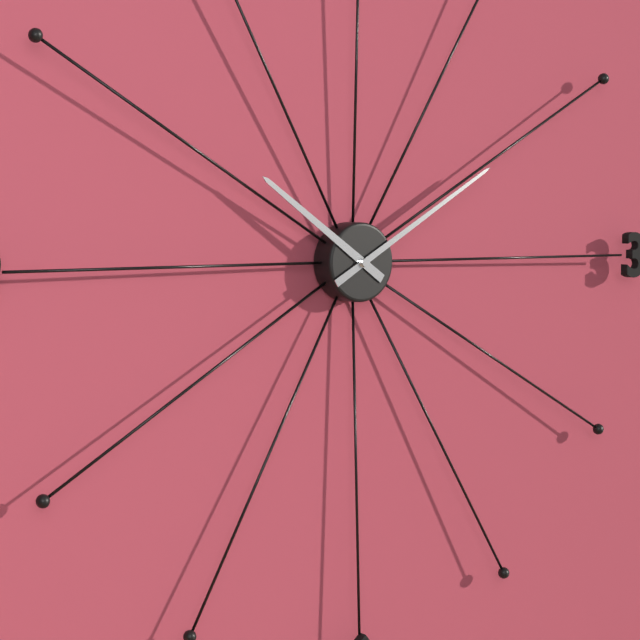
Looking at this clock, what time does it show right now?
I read 10:10
